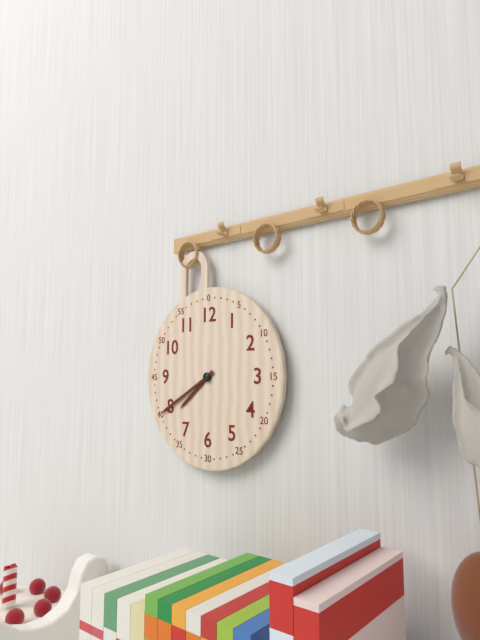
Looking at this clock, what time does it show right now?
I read 7:40
